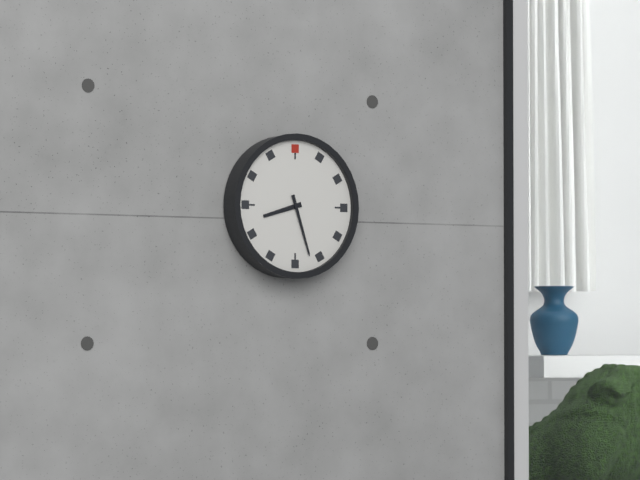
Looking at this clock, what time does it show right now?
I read 8:27
